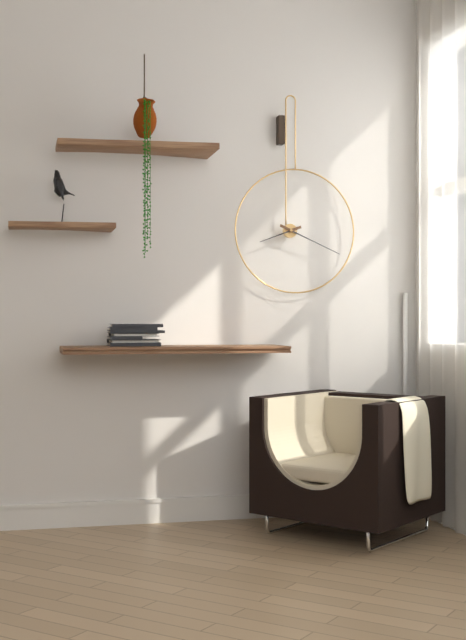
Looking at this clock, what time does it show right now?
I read 8:19
